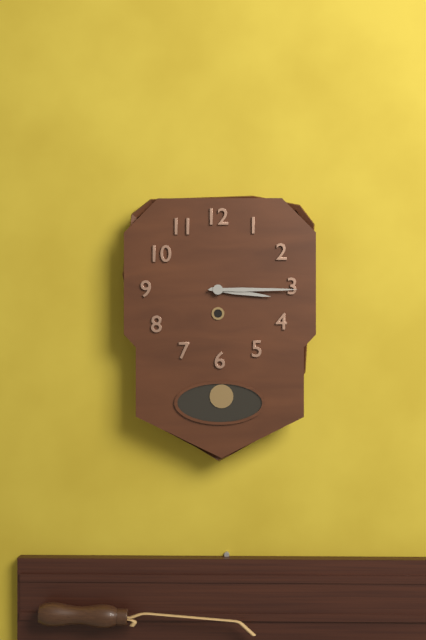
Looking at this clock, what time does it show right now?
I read 3:15
